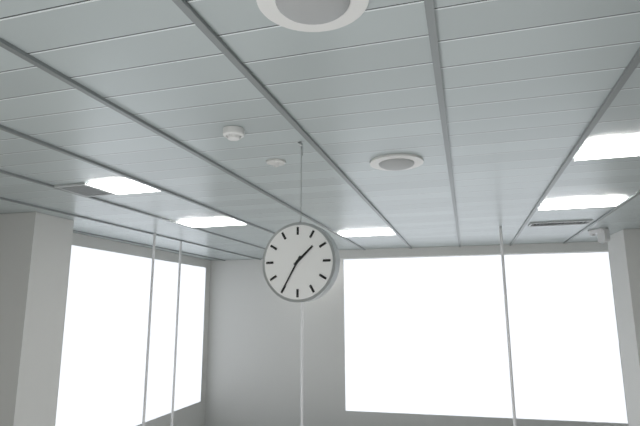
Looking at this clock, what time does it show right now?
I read 1:35
